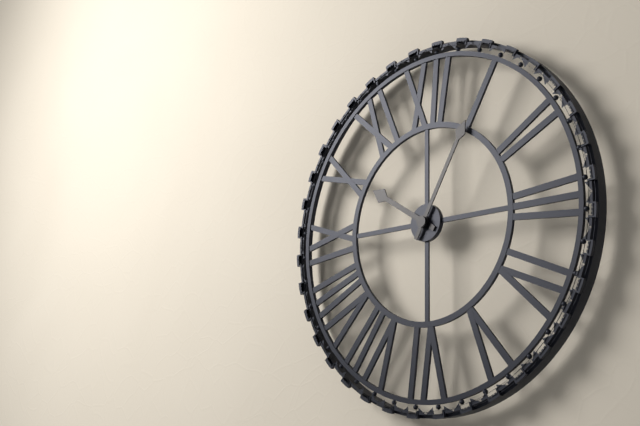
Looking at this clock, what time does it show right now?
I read 10:05
